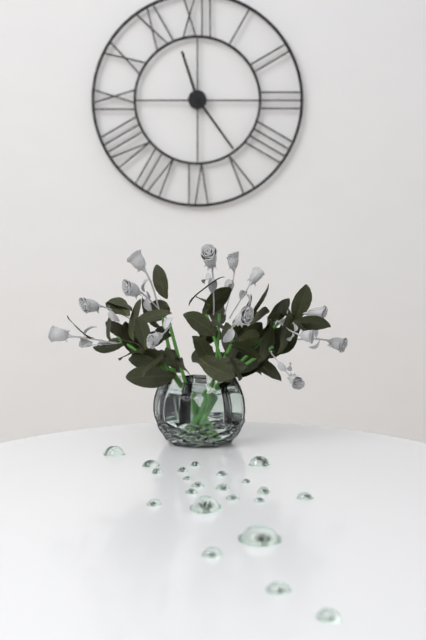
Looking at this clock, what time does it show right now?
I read 11:24
